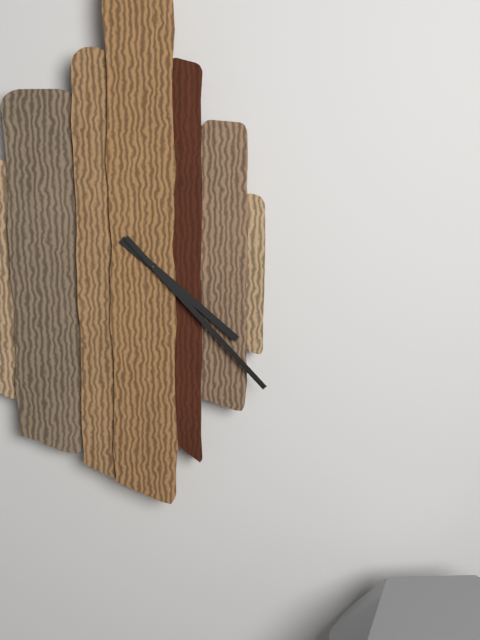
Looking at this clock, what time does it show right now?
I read 4:23
